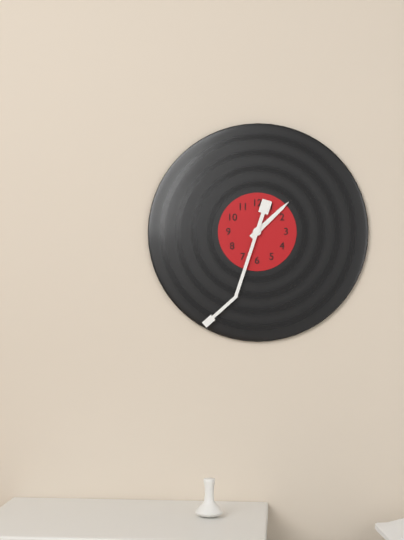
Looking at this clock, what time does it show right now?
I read 1:33
